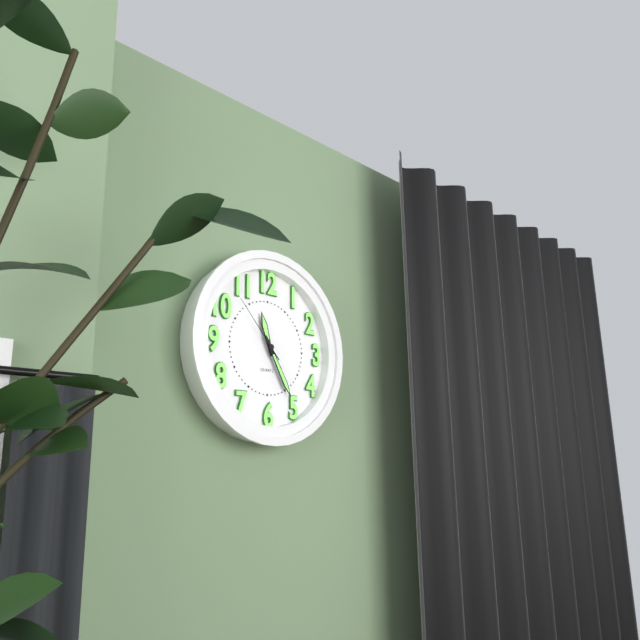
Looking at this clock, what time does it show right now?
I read 11:25:53
